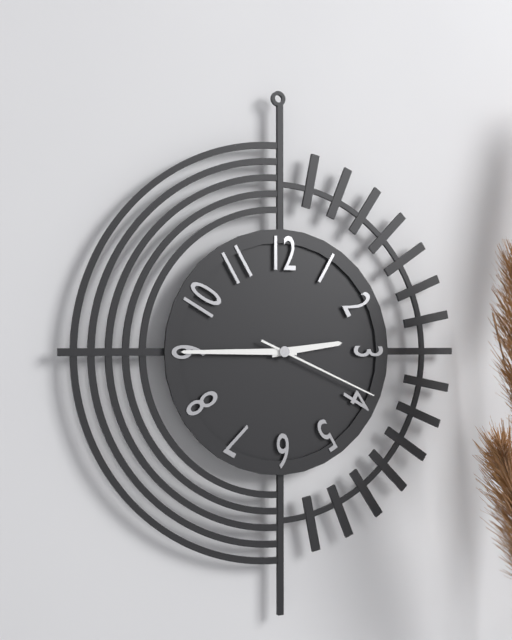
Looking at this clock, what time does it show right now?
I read 2:45:19
